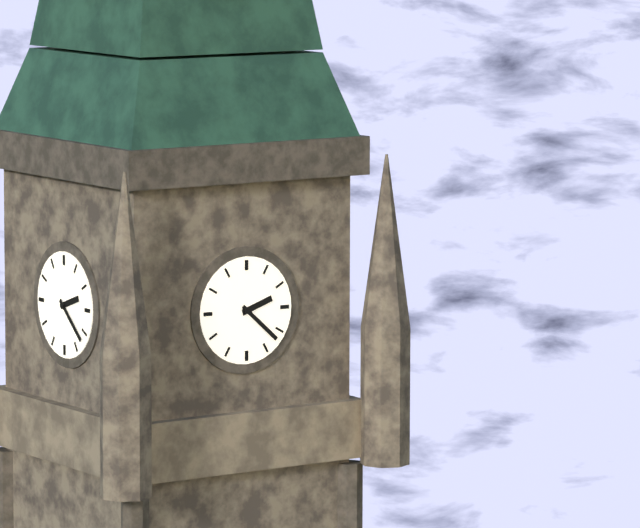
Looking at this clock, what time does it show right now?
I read 2:22
